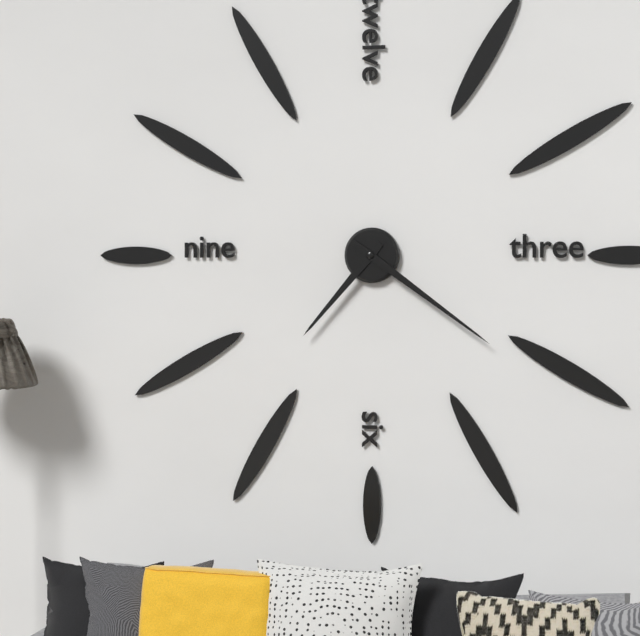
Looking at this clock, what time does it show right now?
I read 7:21
